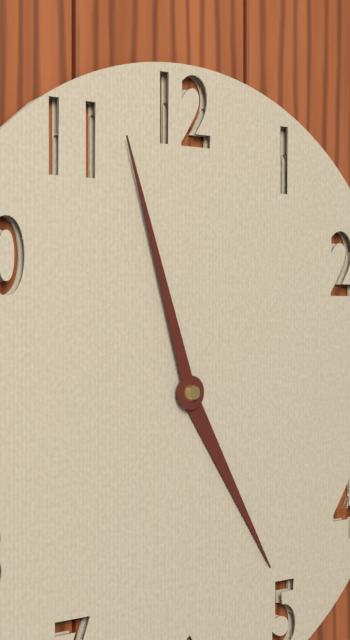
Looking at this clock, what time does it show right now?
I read 4:57
